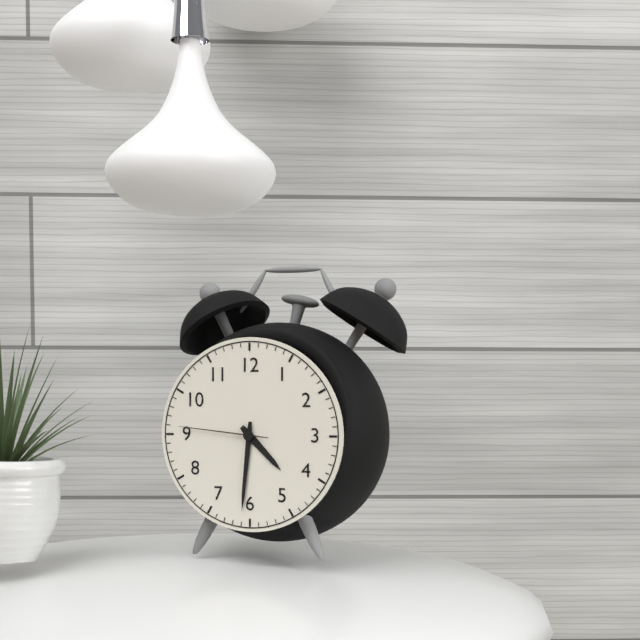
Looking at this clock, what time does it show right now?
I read 4:31:46
